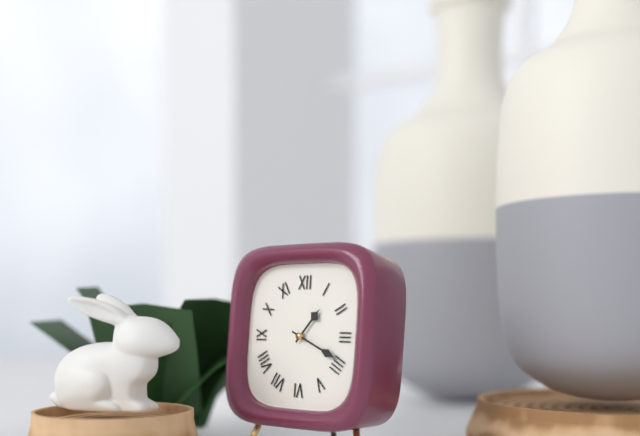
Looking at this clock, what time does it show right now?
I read 1:19
